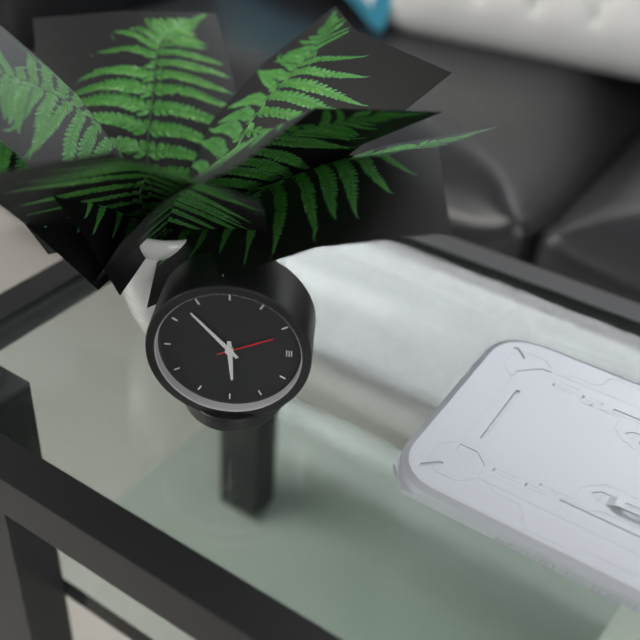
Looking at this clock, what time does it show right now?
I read 5:53:11
